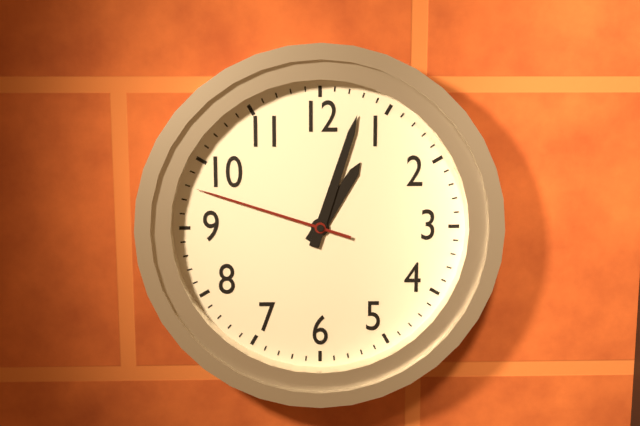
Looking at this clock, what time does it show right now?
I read 1:03:48
